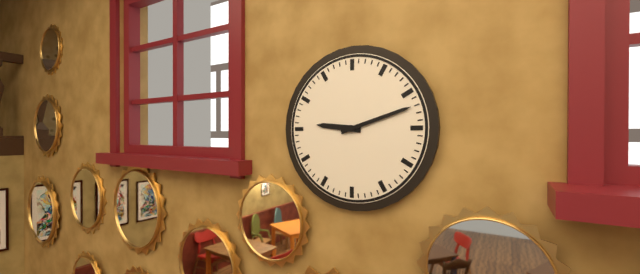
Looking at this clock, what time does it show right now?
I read 9:12
